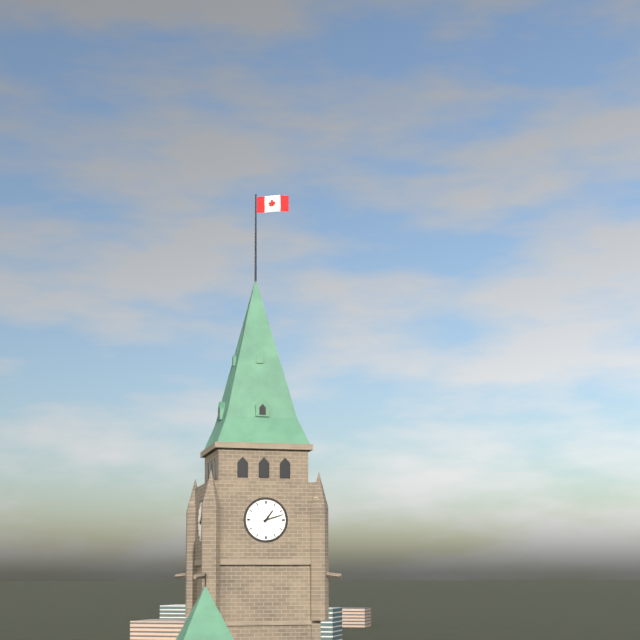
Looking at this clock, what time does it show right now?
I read 1:12
